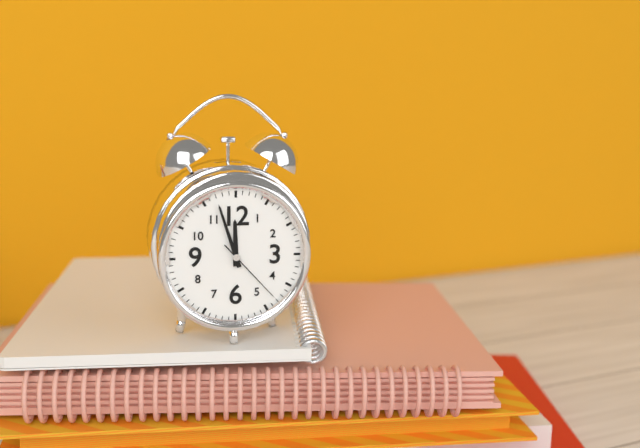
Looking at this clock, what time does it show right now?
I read 11:57:23
